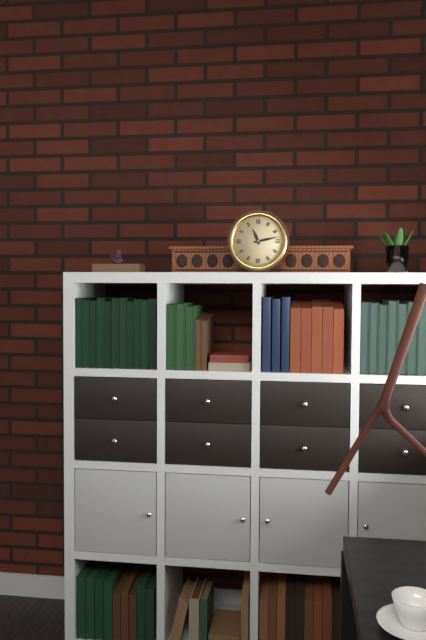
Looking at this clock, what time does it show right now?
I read 11:13
